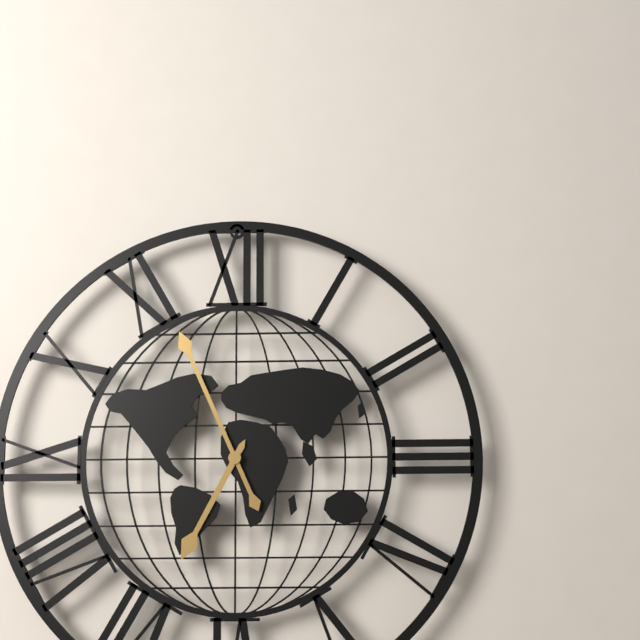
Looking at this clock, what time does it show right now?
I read 6:56
